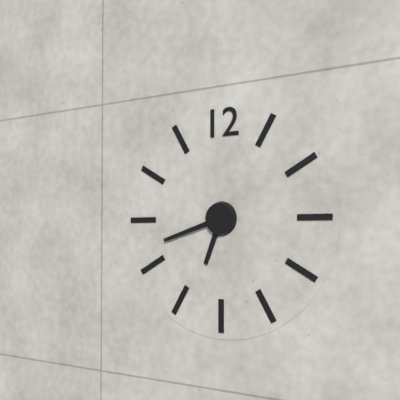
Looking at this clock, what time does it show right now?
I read 6:42
